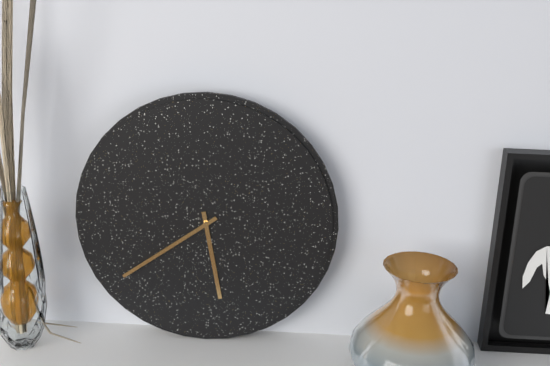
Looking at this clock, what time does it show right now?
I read 5:39
